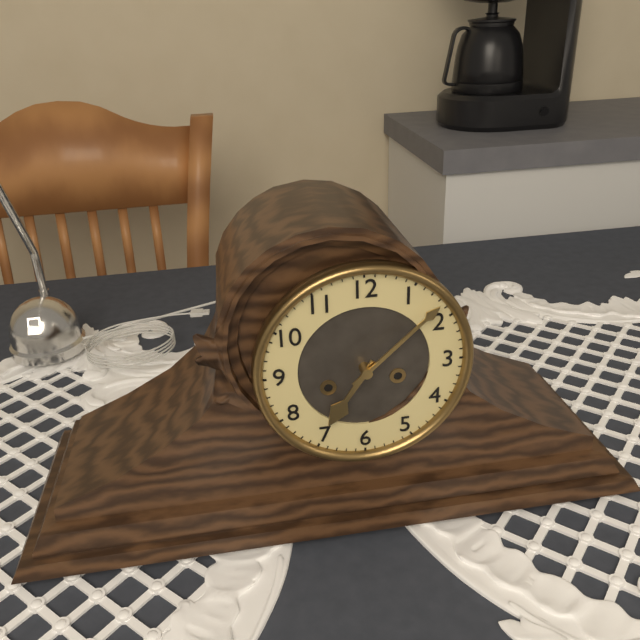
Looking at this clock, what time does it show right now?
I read 7:08
